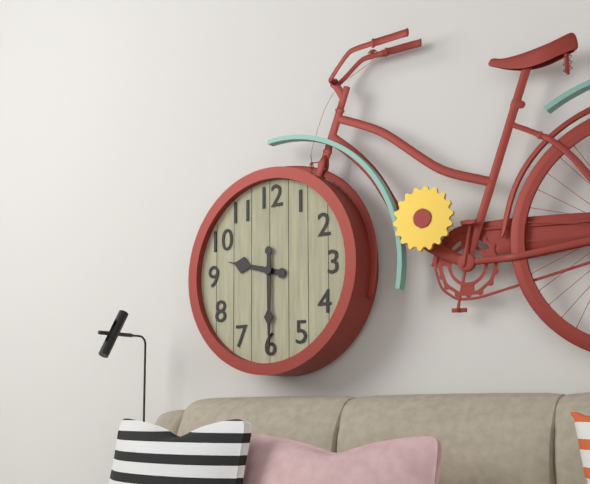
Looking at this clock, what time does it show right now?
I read 9:30
